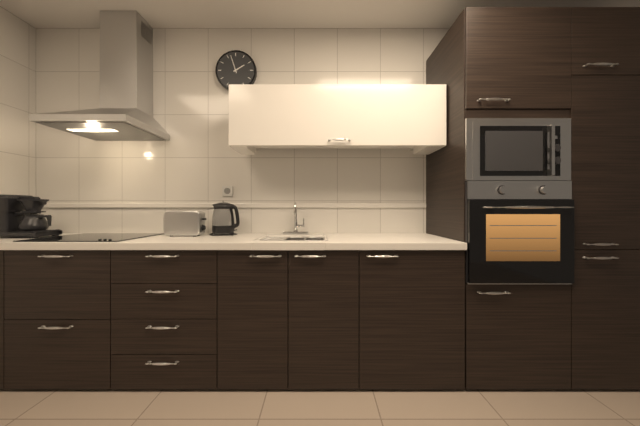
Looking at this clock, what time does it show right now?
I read 1:57
